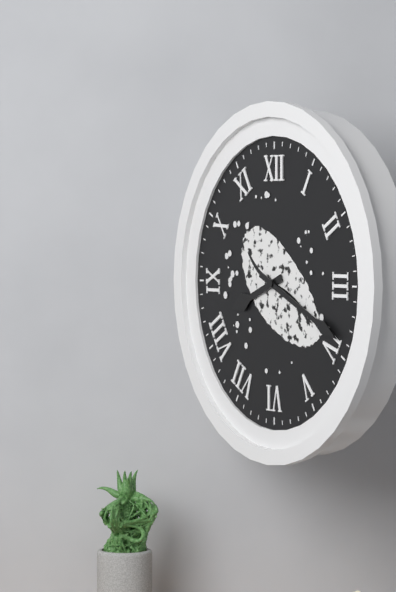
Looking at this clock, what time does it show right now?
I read 8:19
